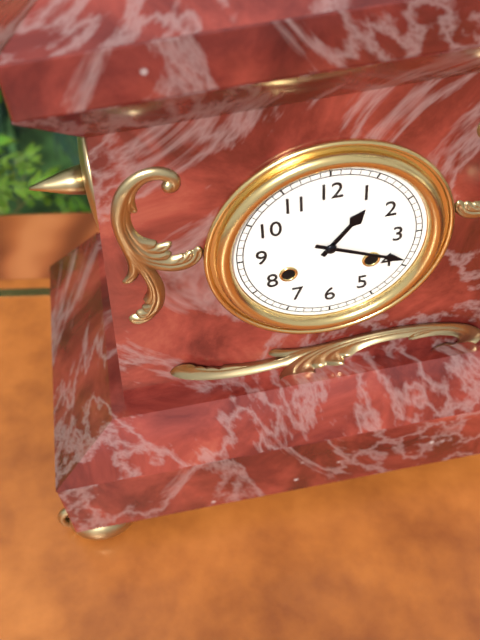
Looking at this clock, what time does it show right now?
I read 1:19
